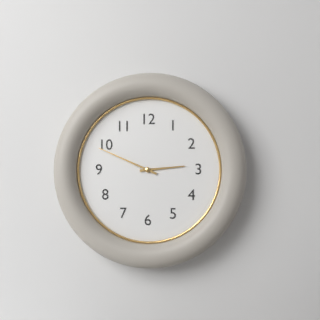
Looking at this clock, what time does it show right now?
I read 2:49
